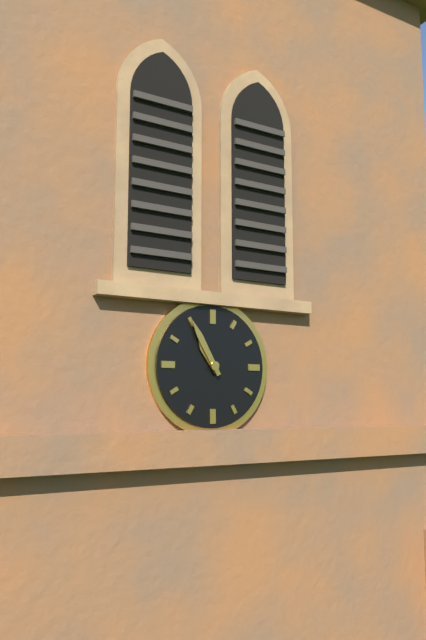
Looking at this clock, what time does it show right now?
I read 10:55
